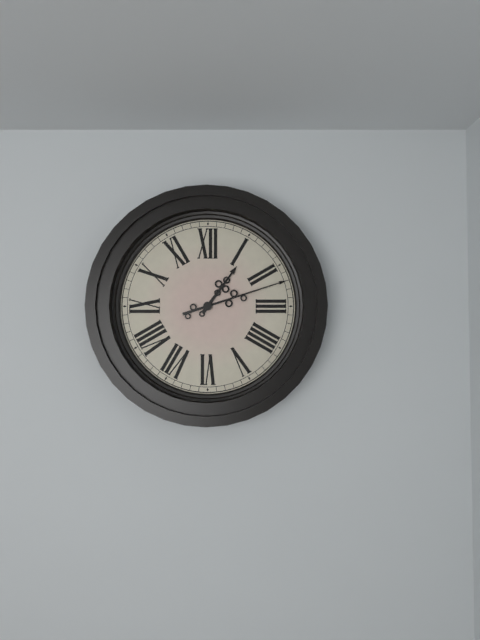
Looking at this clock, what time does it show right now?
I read 1:12
